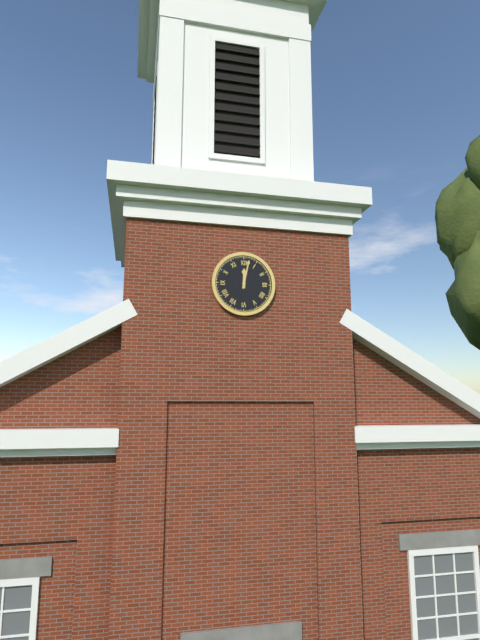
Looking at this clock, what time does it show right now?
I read 12:02
